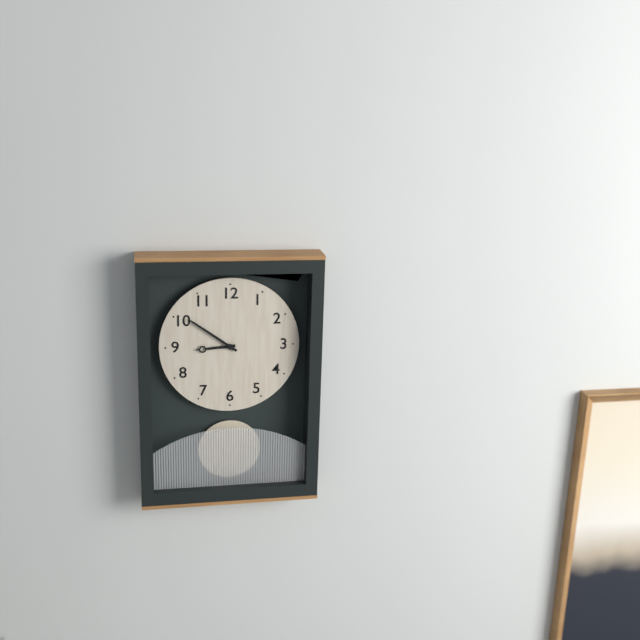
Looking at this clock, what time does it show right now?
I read 8:51
